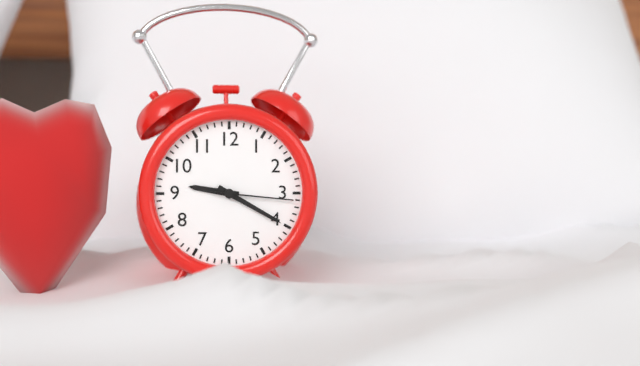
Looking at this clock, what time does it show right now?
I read 9:20:16
